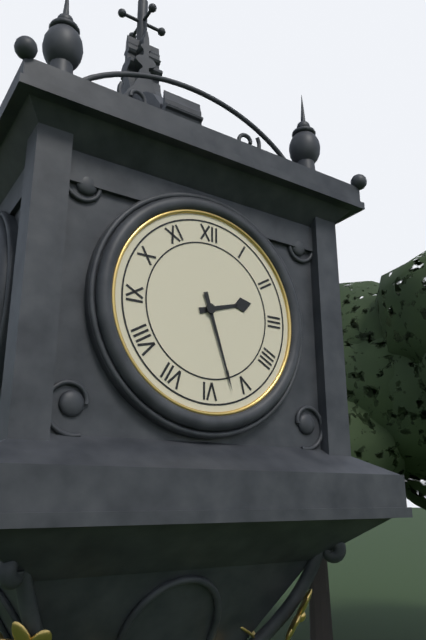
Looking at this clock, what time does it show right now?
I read 2:27
